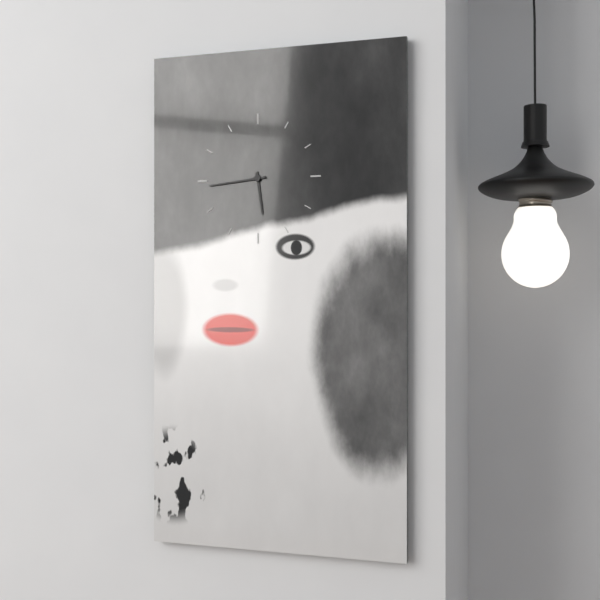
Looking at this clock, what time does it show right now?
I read 5:44
